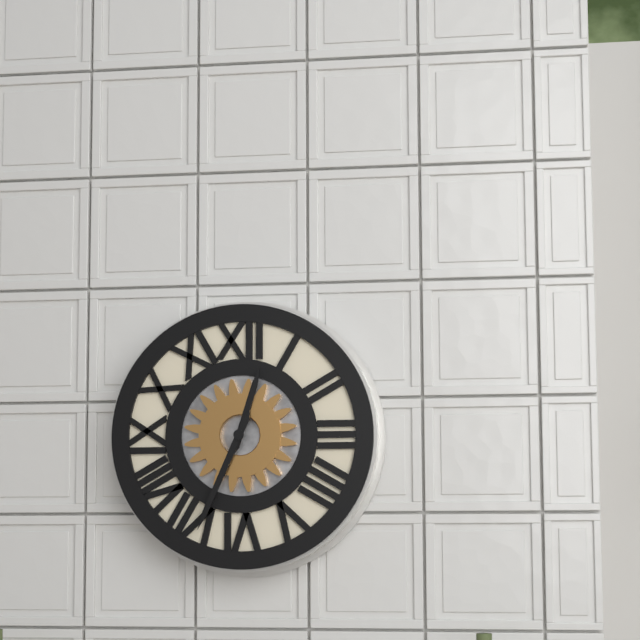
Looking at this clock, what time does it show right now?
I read 12:34
